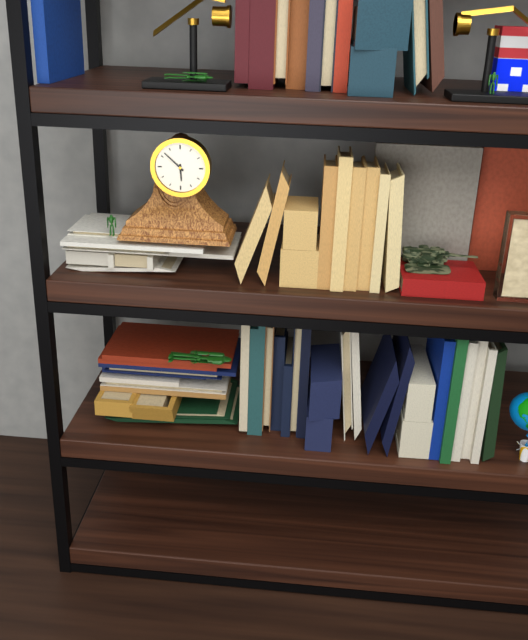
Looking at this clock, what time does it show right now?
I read 5:52
